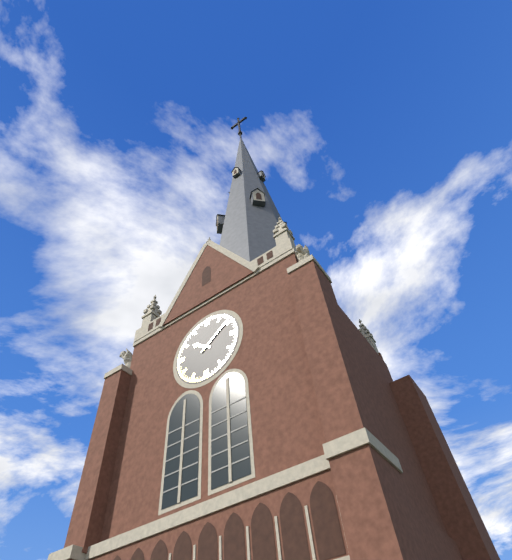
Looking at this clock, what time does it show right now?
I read 10:09
